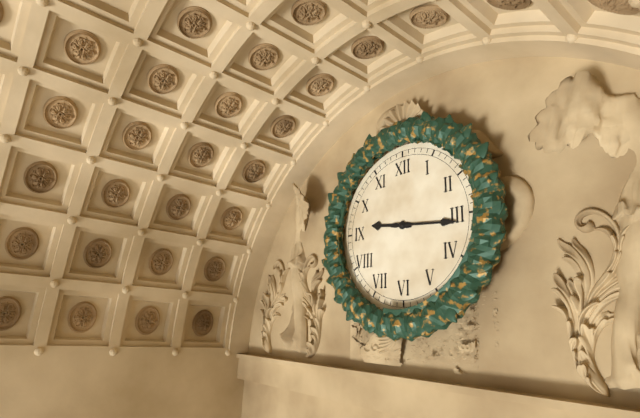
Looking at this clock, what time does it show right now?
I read 9:16
